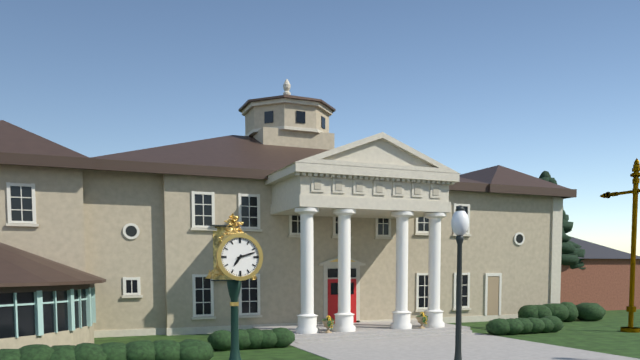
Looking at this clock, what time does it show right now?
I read 7:12
